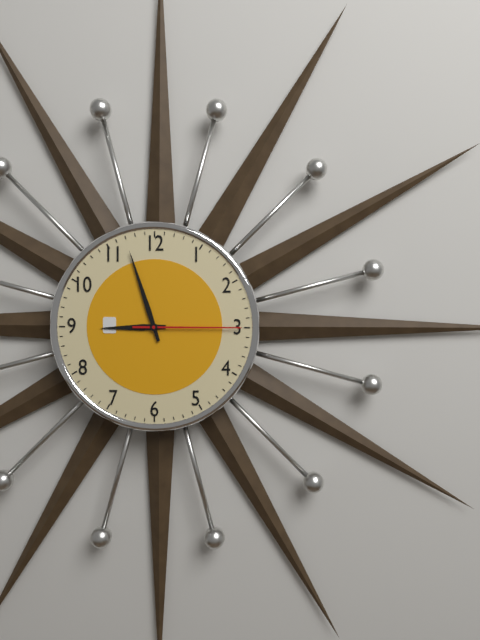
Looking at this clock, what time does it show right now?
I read 8:57:15
